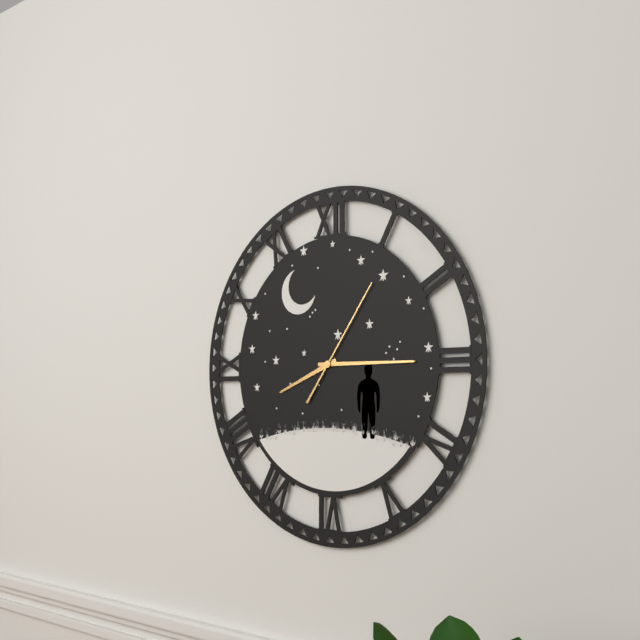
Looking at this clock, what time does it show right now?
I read 8:15:06
